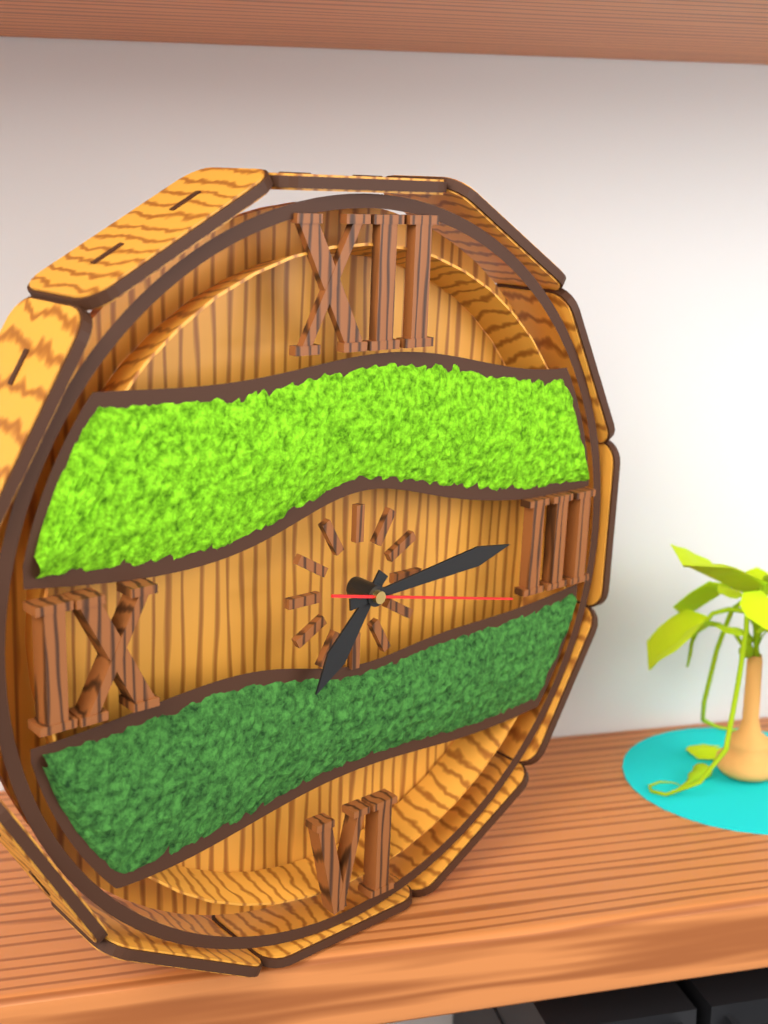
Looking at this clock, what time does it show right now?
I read 7:14:17
